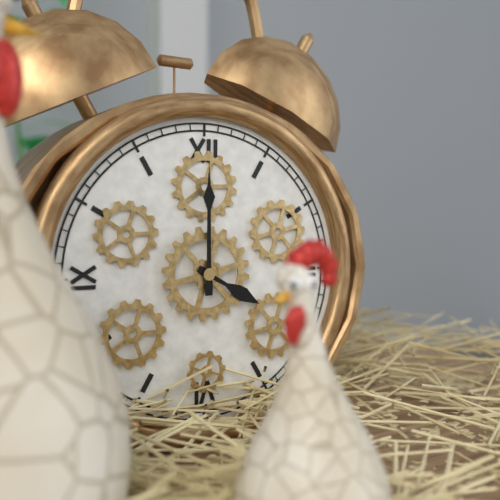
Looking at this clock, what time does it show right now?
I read 4:00
